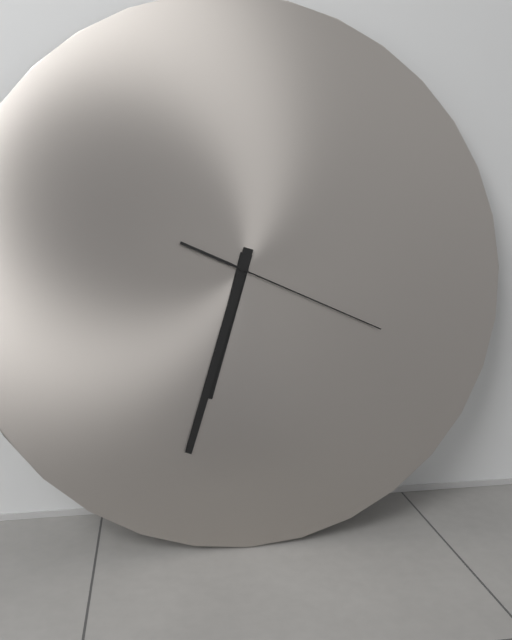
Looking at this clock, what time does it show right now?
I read 6:33:19
